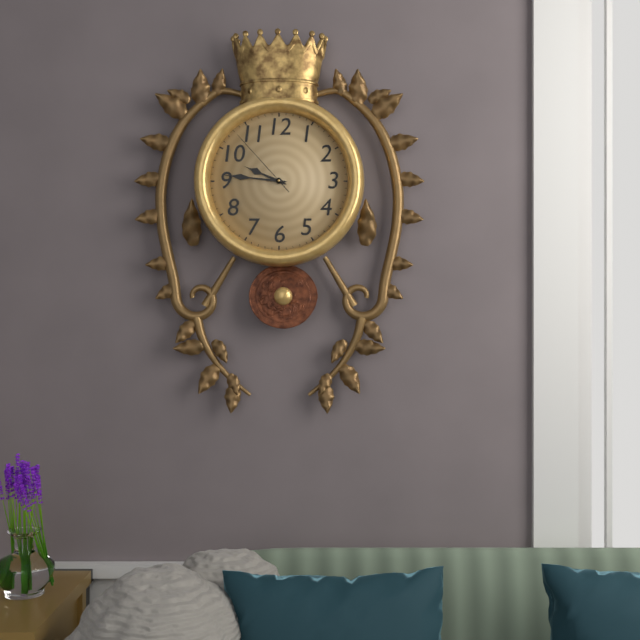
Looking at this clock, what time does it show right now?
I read 9:46:53
